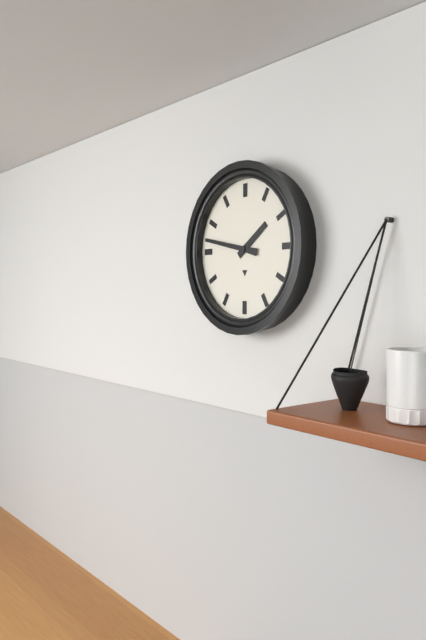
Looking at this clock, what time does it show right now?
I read 1:47
